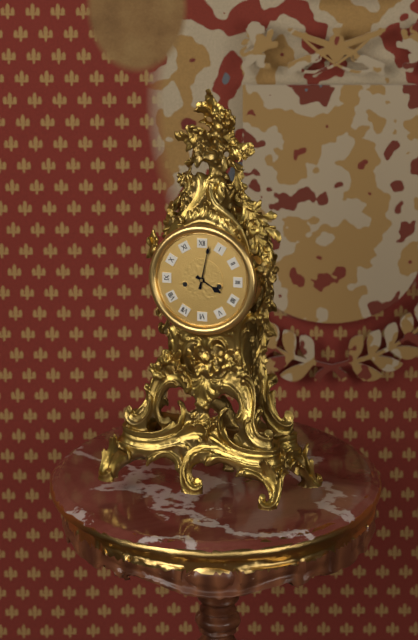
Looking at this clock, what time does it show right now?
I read 4:02
